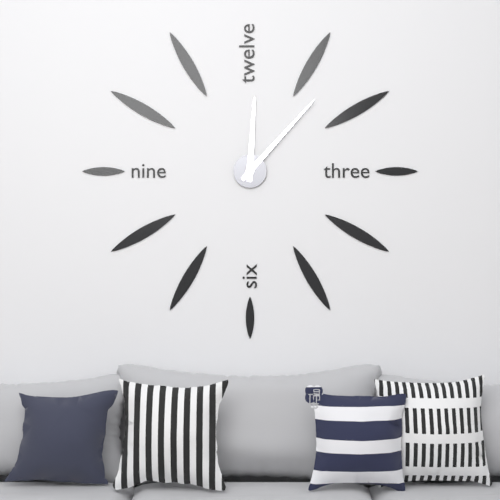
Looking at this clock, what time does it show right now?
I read 12:07
